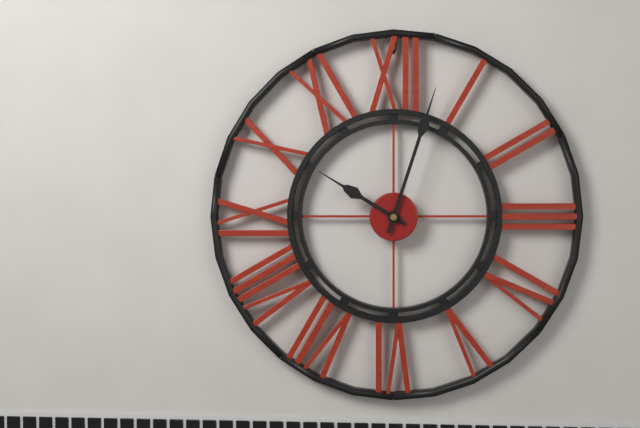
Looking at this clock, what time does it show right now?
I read 10:03
